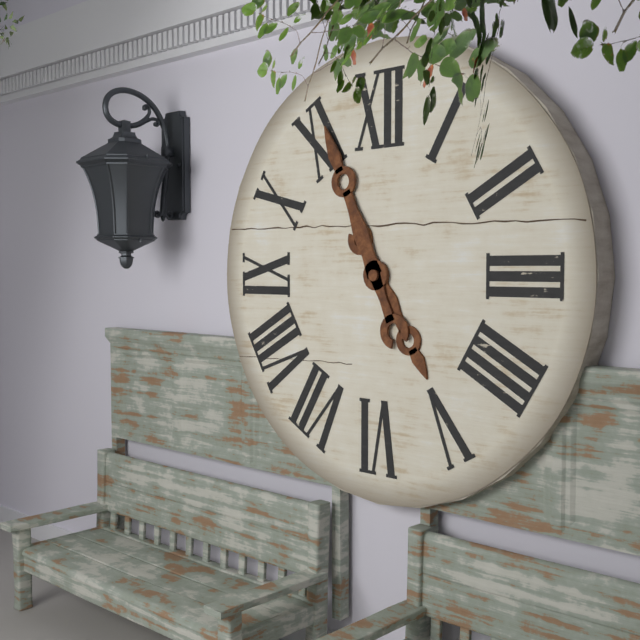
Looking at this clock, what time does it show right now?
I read 4:56
